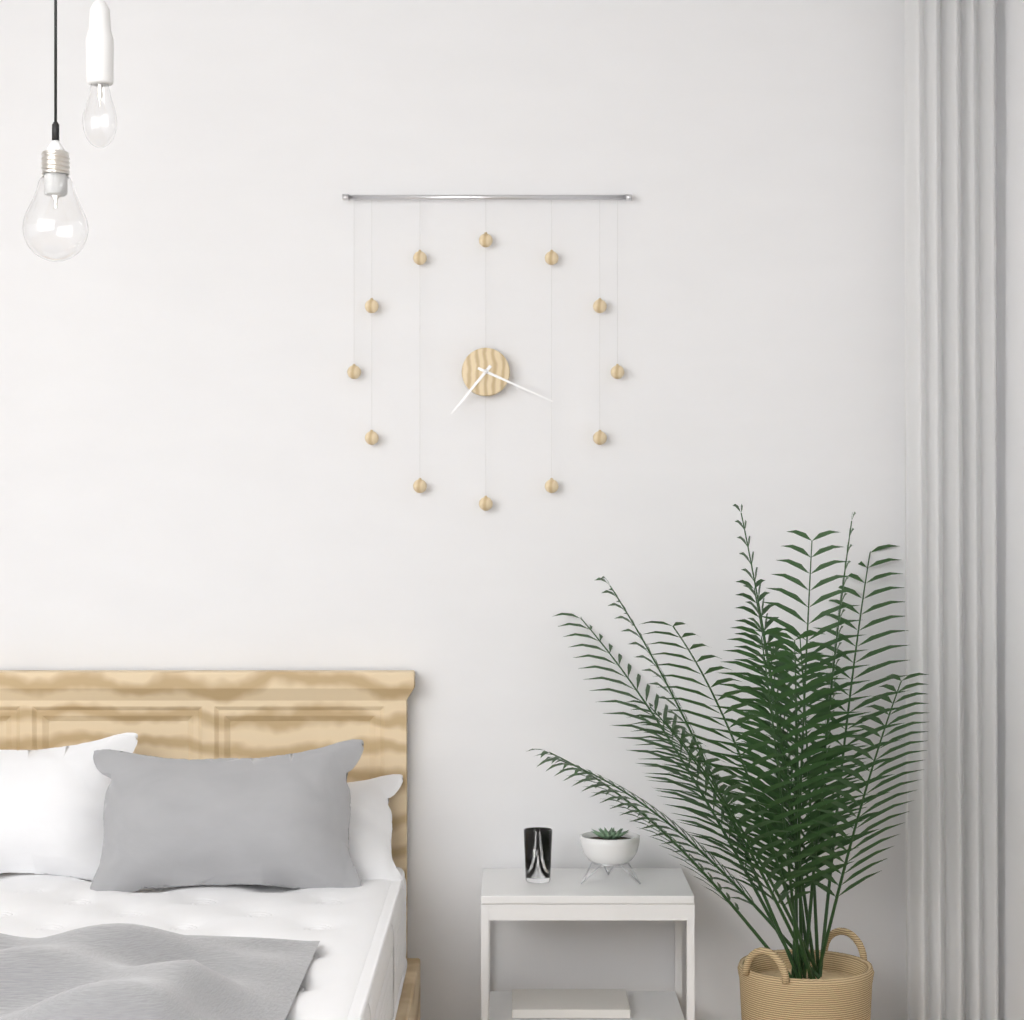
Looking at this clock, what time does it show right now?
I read 7:19
